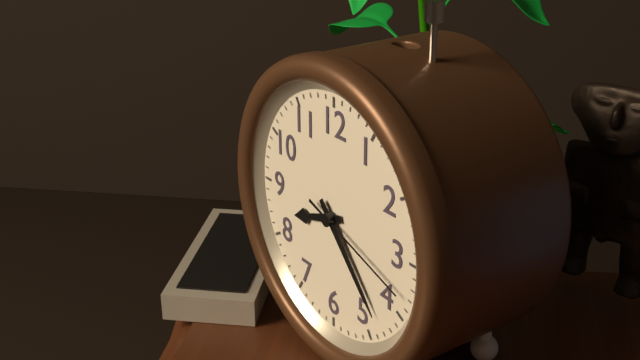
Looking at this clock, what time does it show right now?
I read 8:23:18
